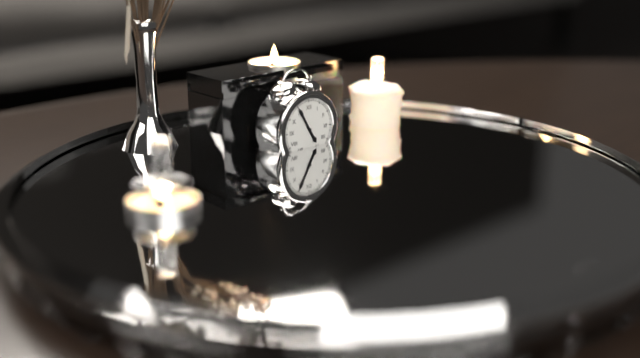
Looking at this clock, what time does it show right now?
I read 4:55
